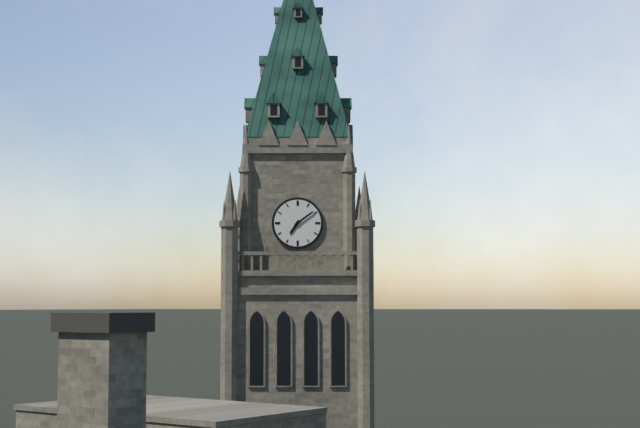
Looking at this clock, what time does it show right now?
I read 7:09
